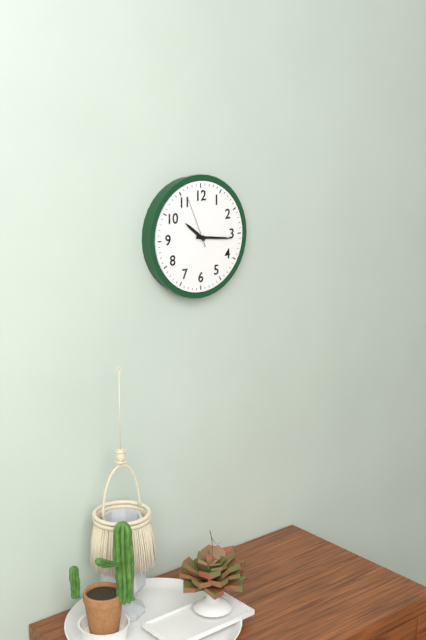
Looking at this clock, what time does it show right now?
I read 10:16:56
